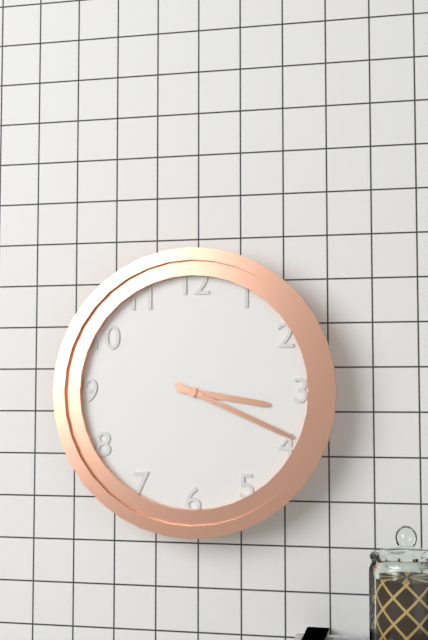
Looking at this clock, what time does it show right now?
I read 3:19
